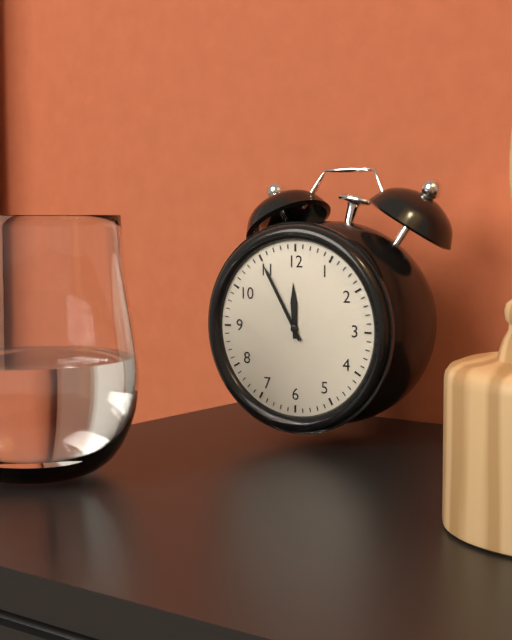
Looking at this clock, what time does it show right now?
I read 11:55
